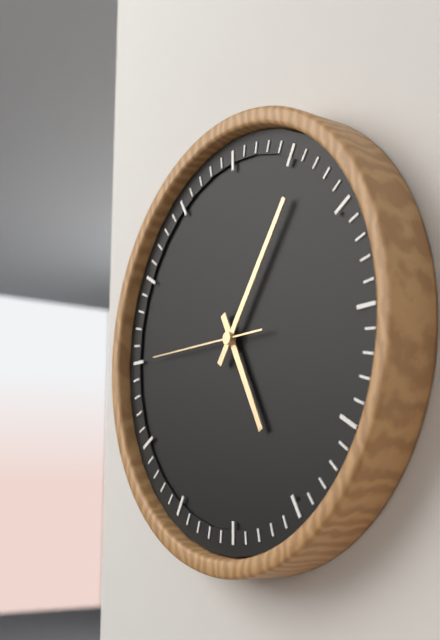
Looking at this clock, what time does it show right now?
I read 5:06:45
